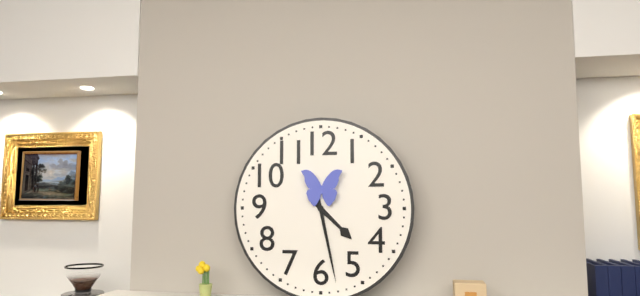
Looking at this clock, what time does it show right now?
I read 4:28
